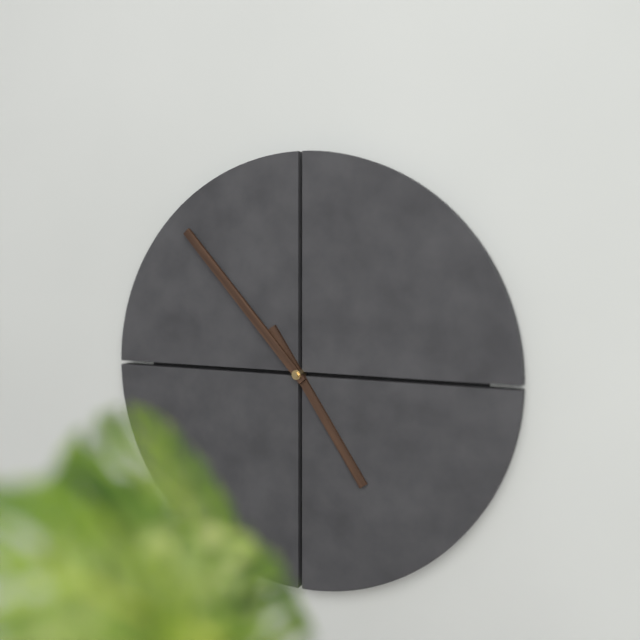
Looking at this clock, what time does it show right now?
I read 4:53
